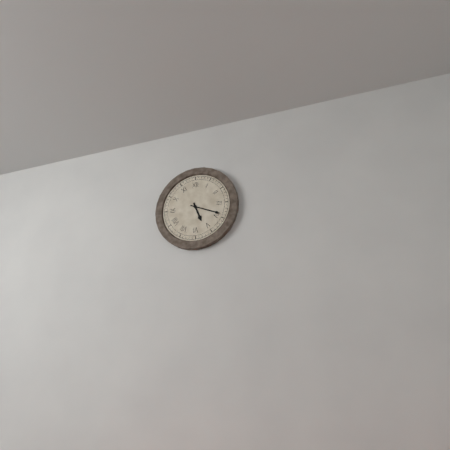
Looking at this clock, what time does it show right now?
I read 5:19
